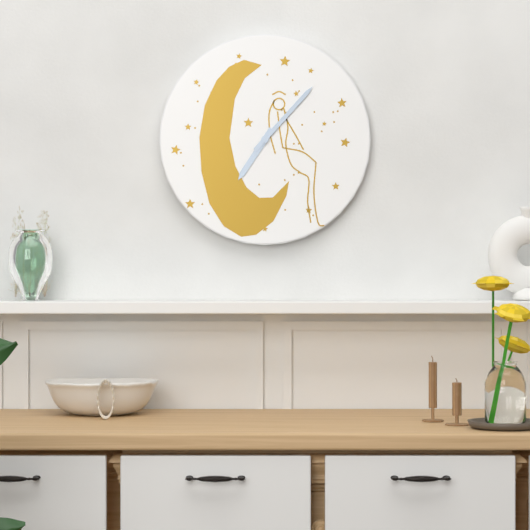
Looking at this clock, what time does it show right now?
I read 7:07
